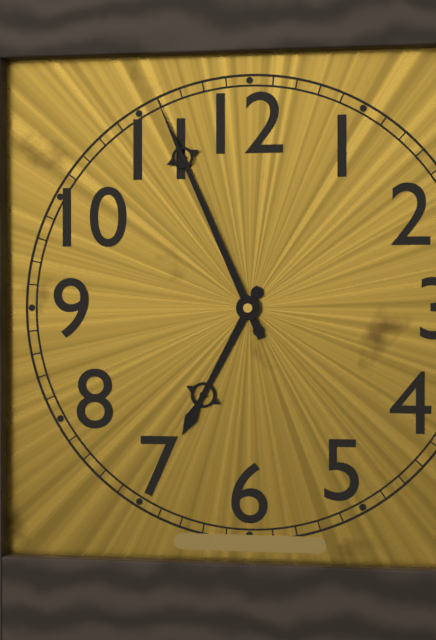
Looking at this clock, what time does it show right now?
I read 6:56
